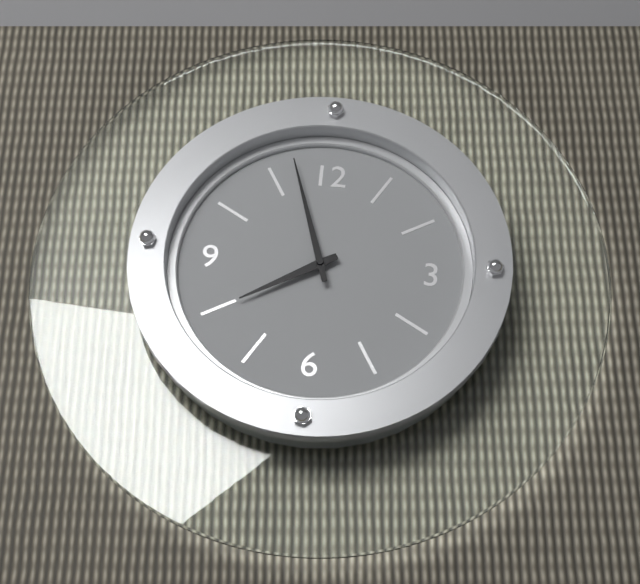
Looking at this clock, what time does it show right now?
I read 7:57
